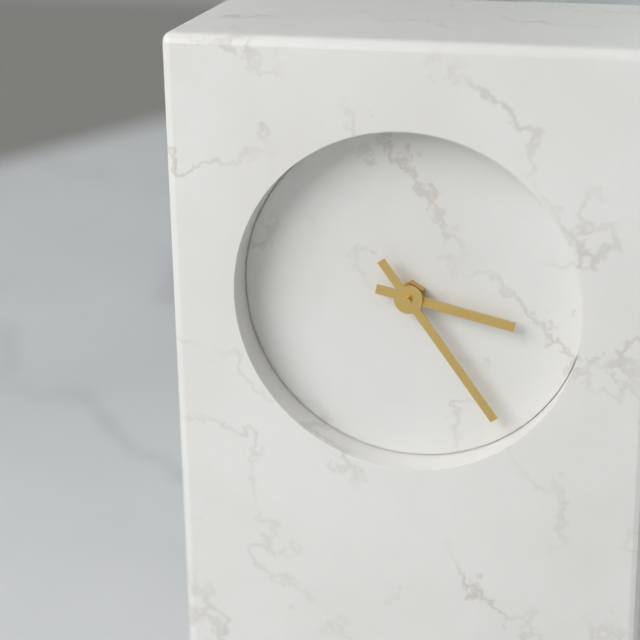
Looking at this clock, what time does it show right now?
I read 3:24
